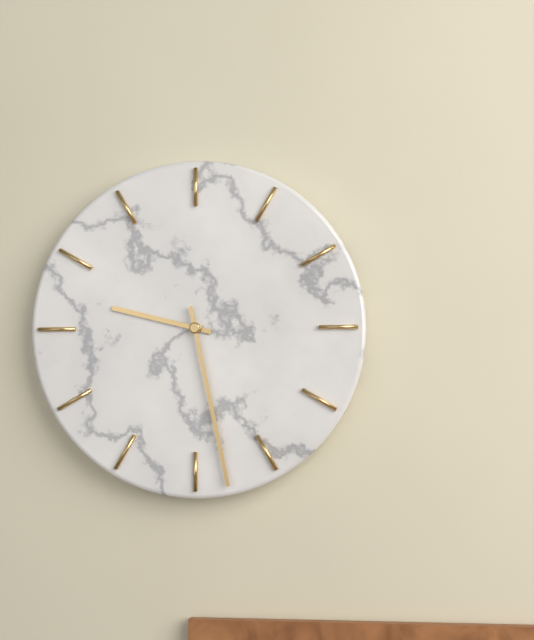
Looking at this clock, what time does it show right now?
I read 9:28
